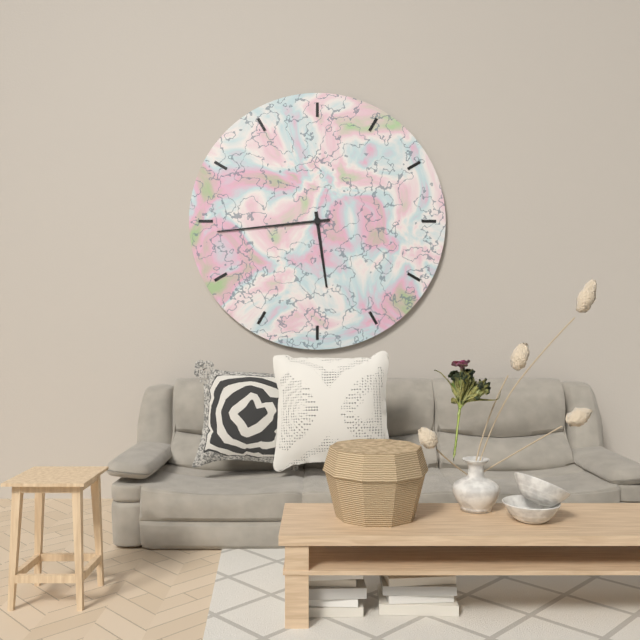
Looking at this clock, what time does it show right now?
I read 5:44
